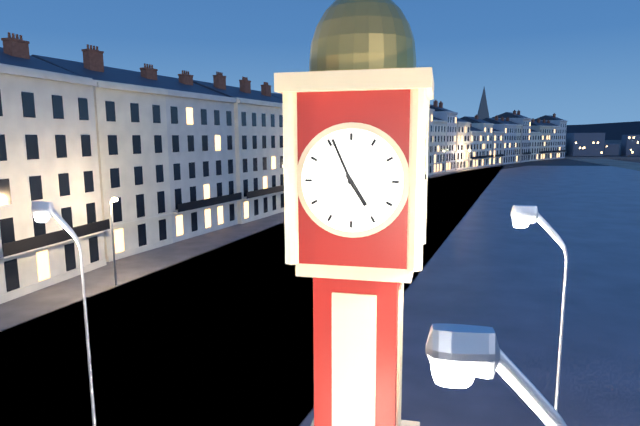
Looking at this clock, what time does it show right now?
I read 4:56
